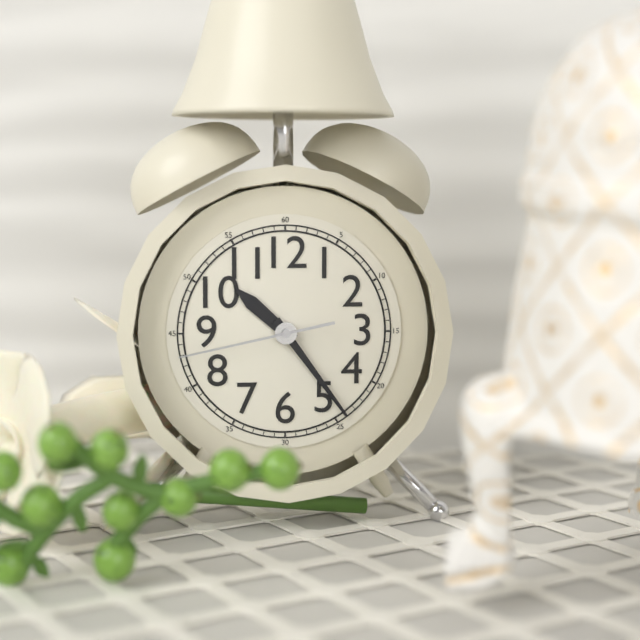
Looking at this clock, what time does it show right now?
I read 10:24:43
